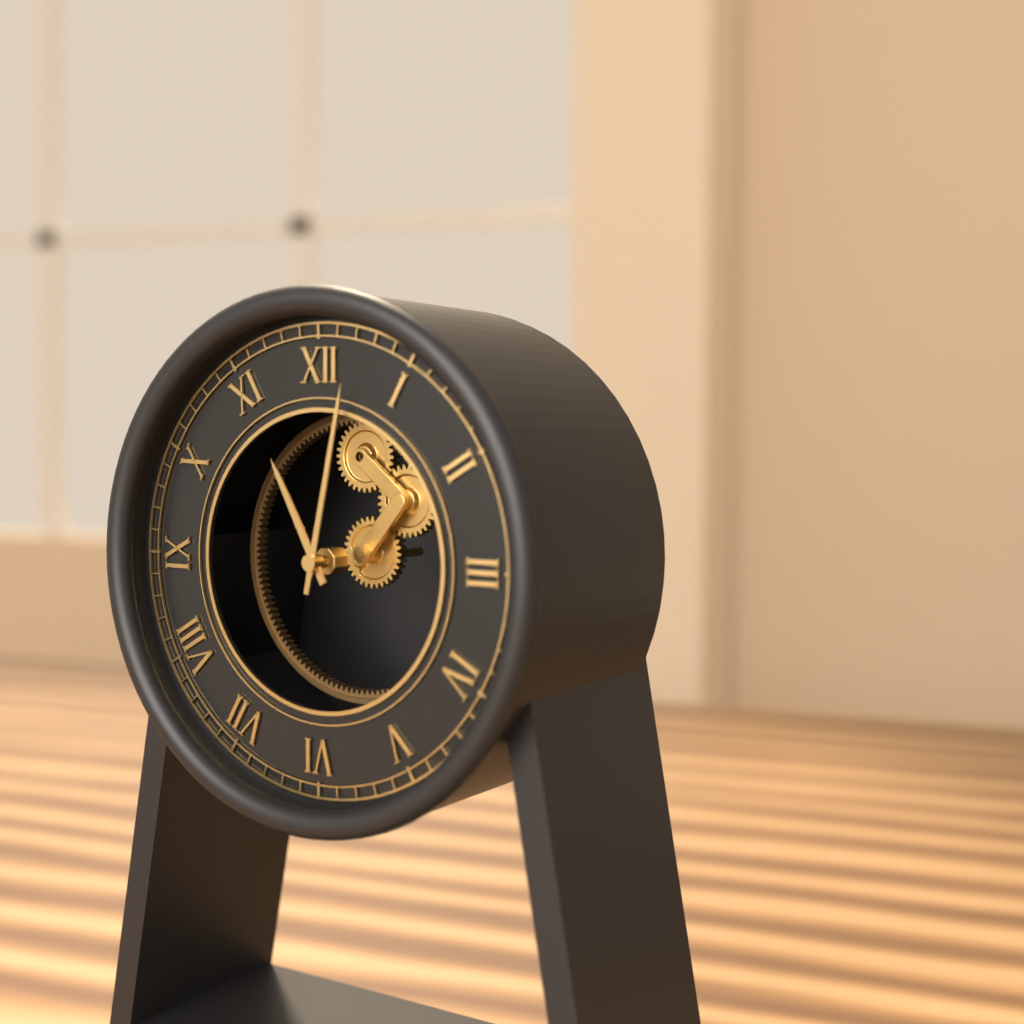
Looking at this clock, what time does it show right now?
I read 11:02
